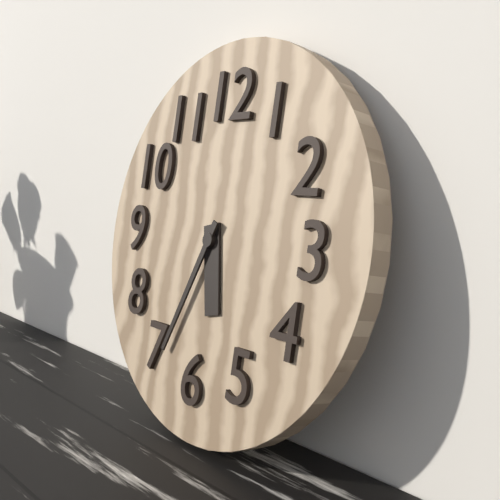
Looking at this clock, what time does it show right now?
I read 5:34
